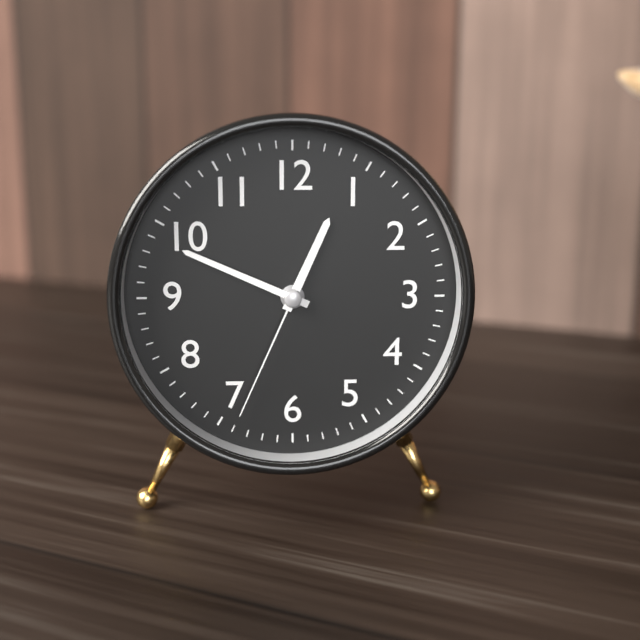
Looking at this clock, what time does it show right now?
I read 12:49:34
